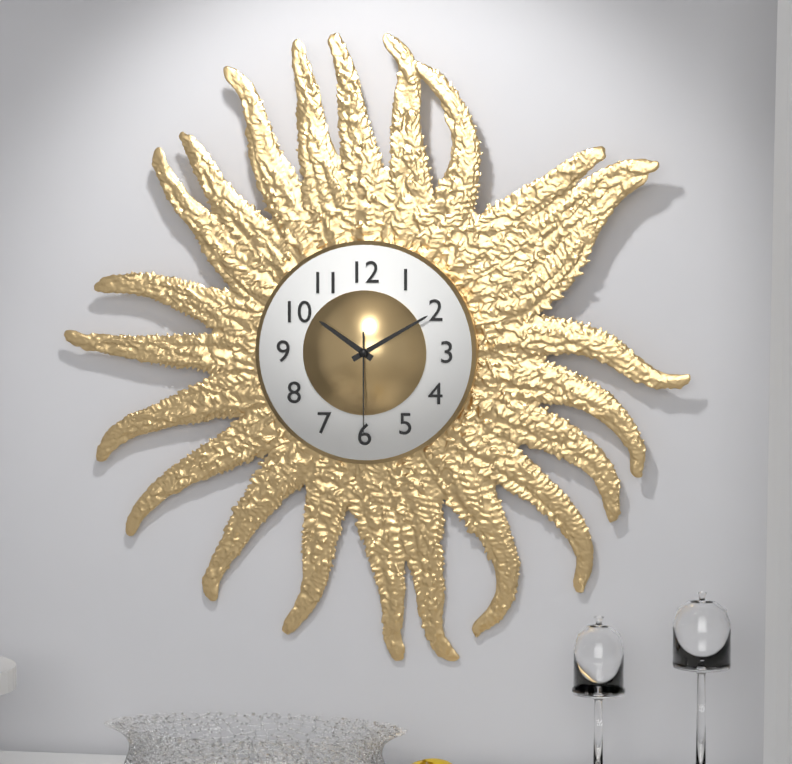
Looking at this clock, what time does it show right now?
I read 10:10:30
